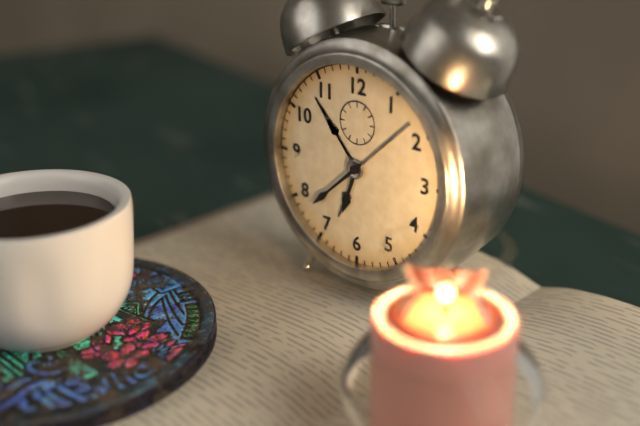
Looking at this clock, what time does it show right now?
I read 6:38
